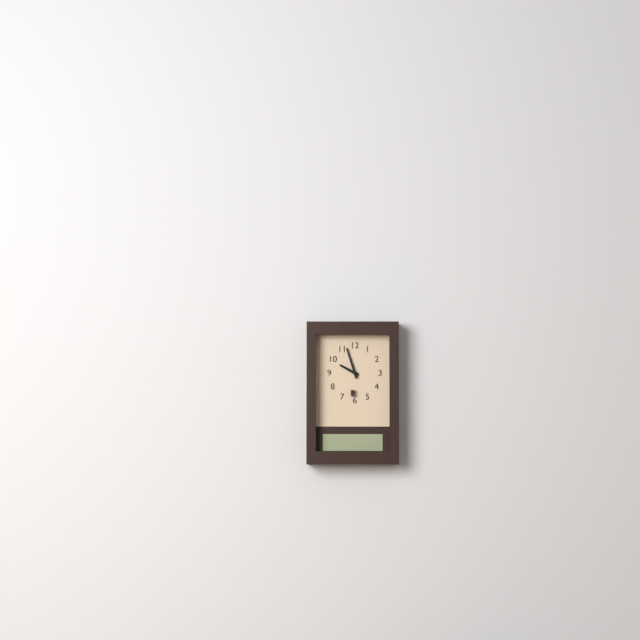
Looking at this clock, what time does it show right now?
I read 9:57
